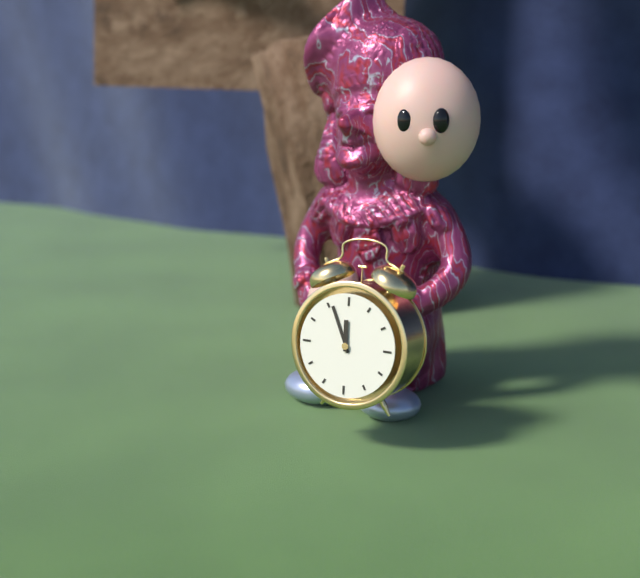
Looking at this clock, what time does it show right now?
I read 11:56
